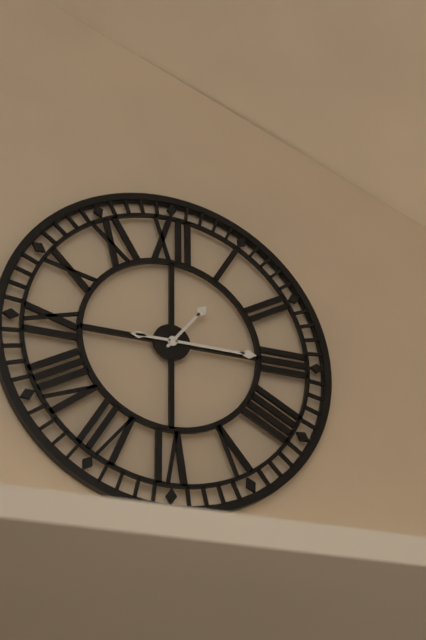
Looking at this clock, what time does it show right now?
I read 1:15
